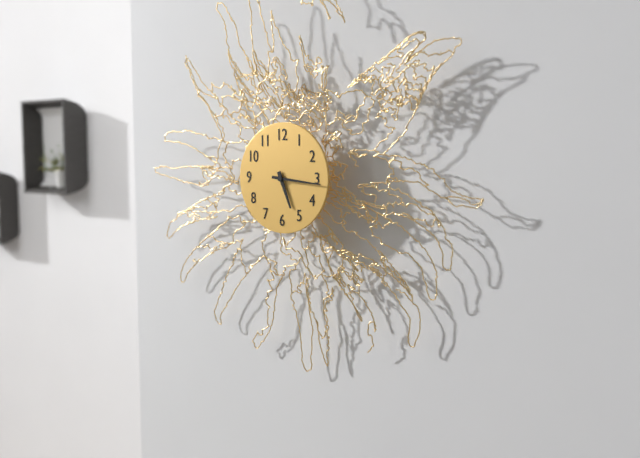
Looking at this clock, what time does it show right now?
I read 5:16
